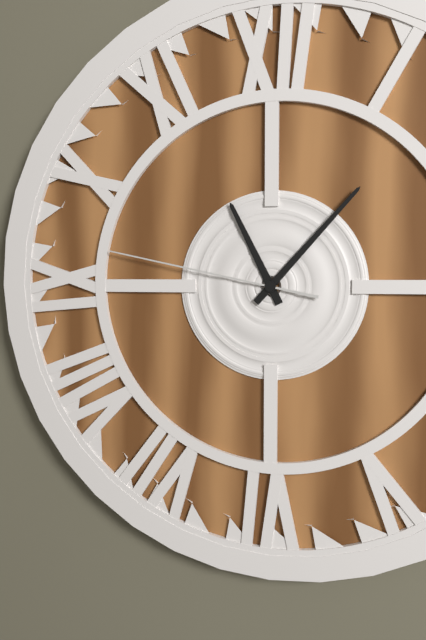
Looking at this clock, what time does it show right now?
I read 11:07:47
